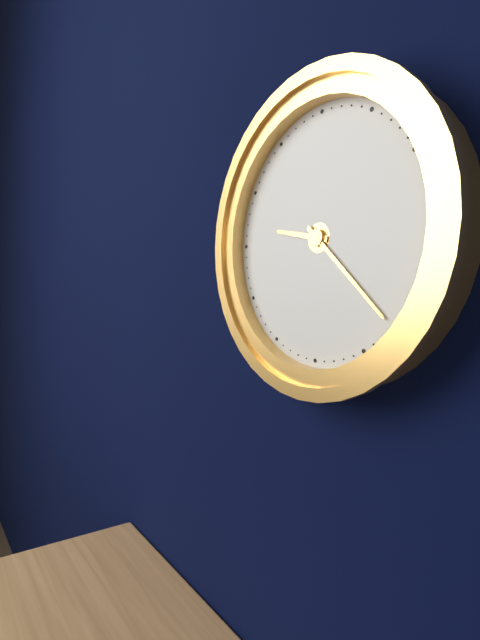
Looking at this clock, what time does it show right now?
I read 9:22
